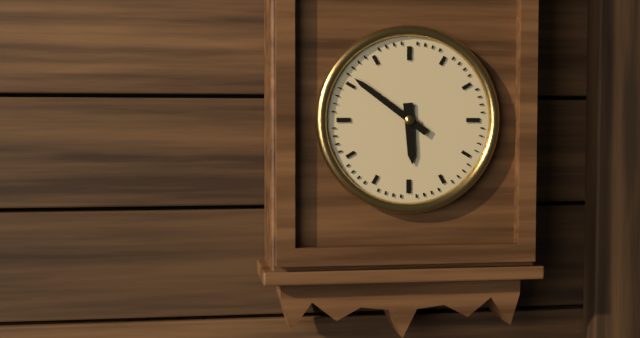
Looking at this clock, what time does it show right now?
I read 5:51
